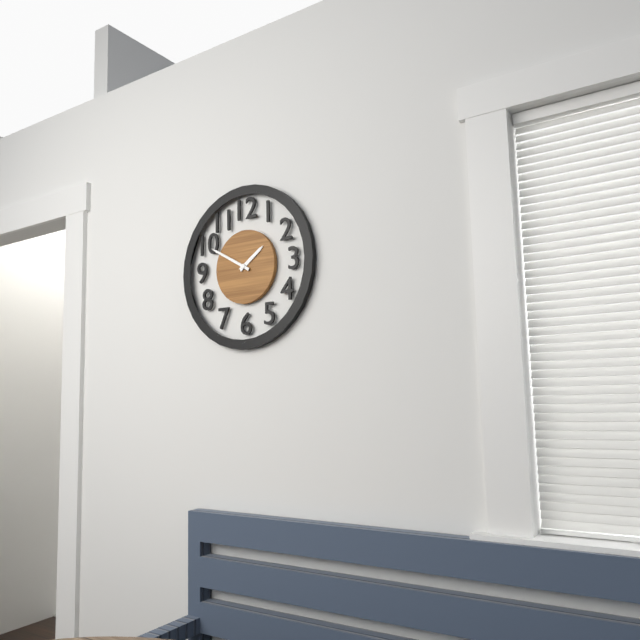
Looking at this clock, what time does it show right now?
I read 1:50
